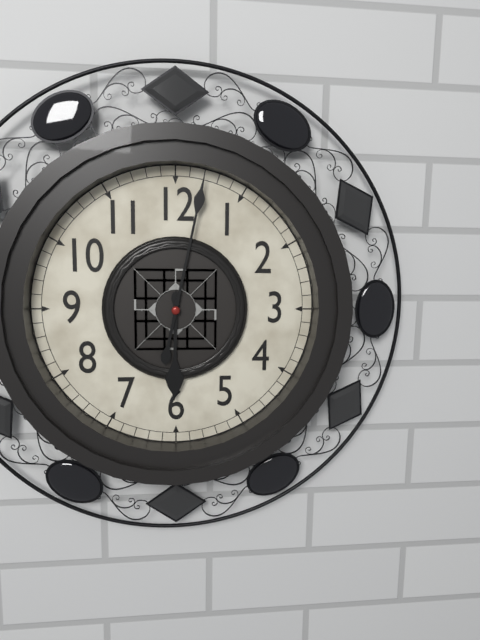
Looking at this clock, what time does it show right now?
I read 6:02
